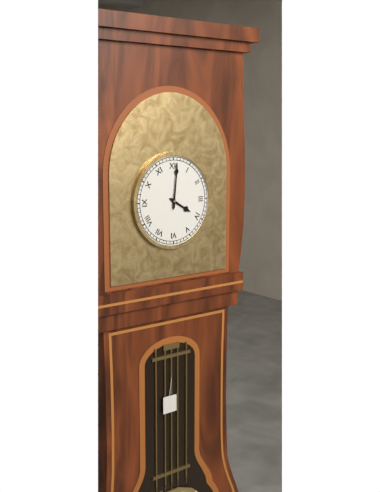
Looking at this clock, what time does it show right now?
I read 4:01
